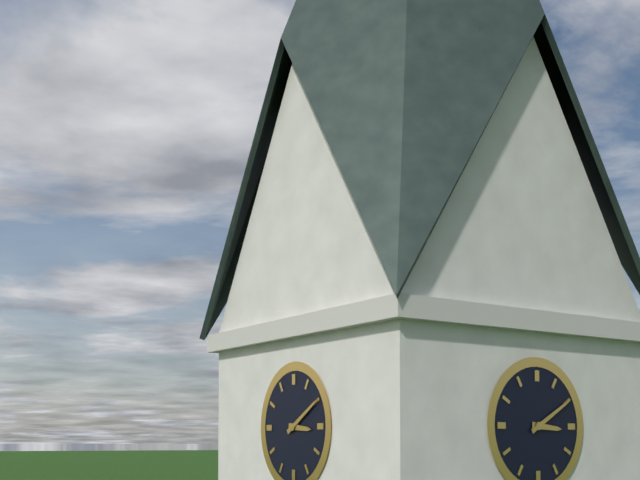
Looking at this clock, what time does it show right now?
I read 3:10
